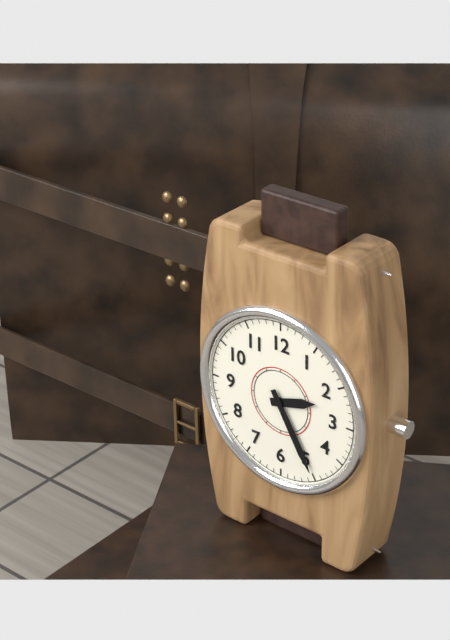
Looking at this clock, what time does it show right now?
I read 2:25
